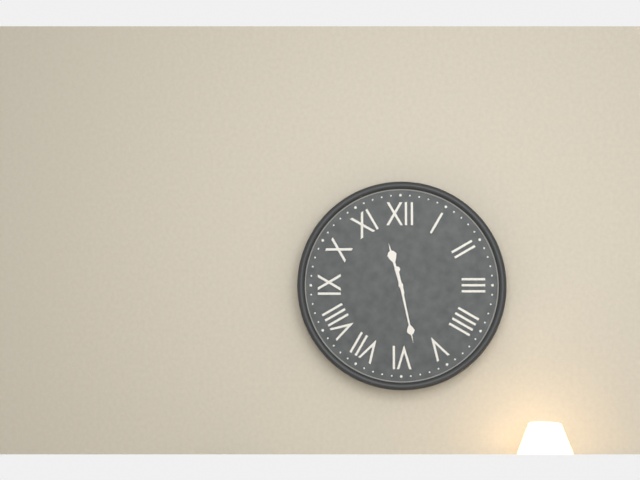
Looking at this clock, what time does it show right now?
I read 11:28
